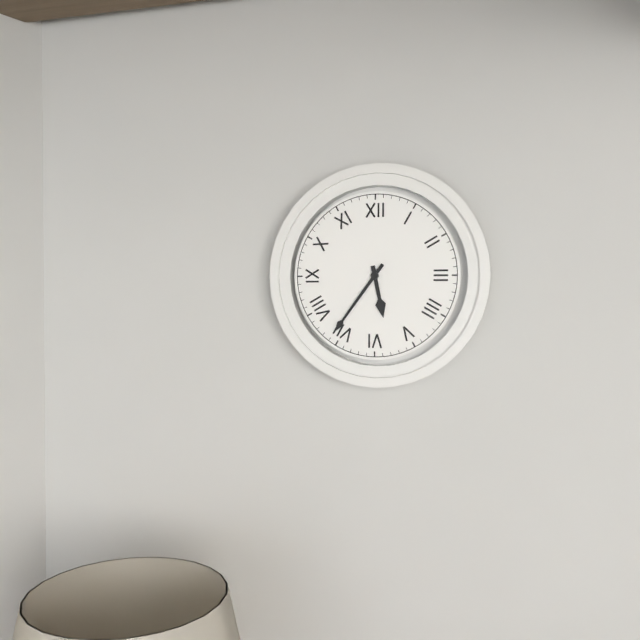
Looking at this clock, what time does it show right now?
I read 5:36
